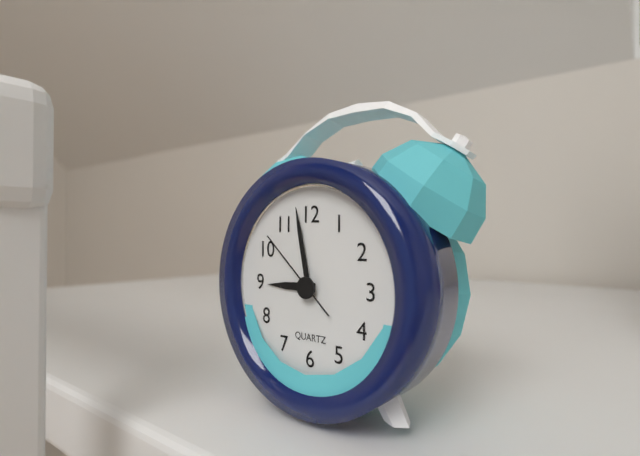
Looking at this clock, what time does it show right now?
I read 8:58:52
